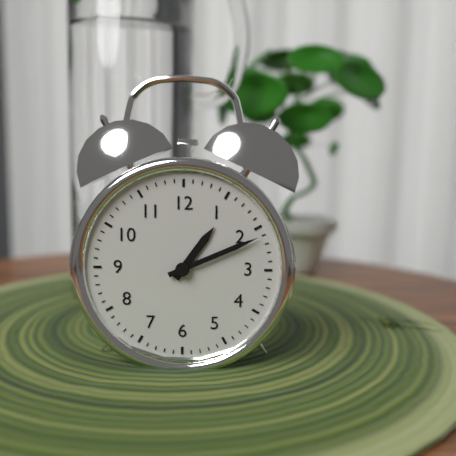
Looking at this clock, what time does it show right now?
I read 1:11
